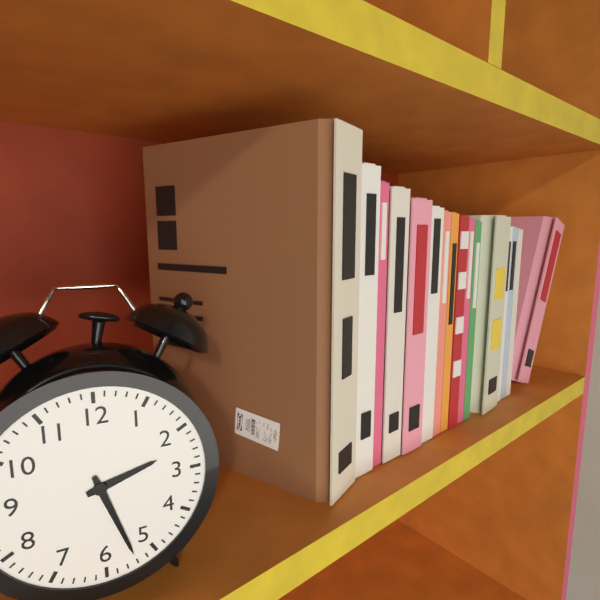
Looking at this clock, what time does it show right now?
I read 2:27
